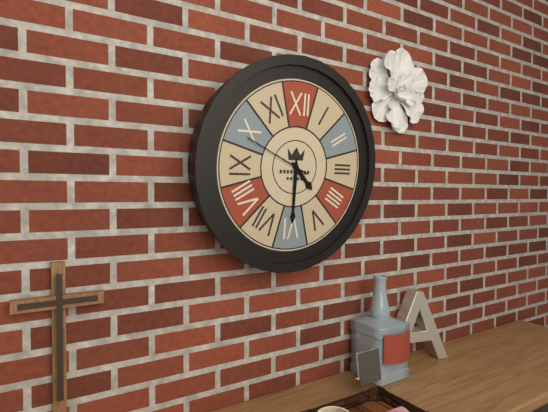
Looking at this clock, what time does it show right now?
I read 4:30:49
